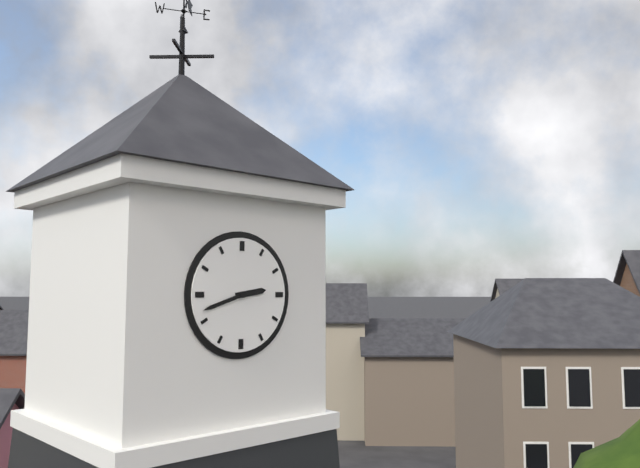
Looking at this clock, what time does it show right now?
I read 2:42
